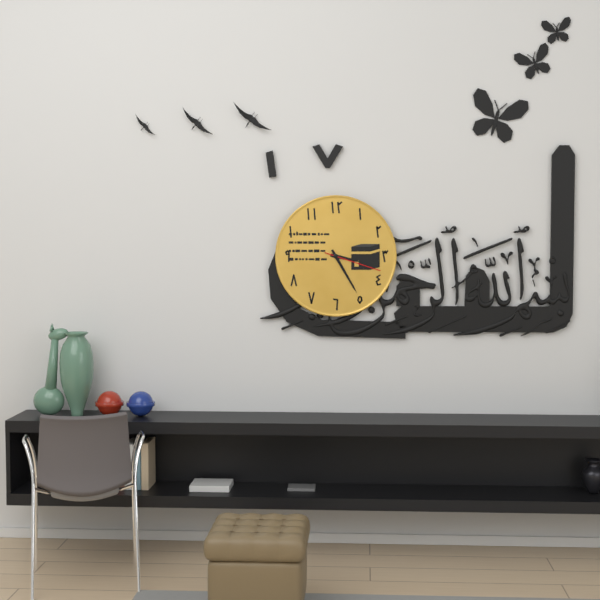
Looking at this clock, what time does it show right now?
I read 3:25:18
